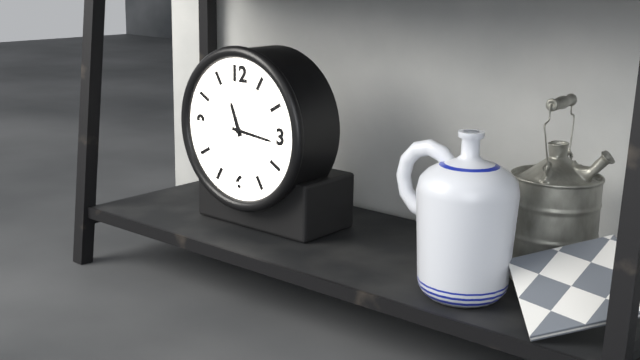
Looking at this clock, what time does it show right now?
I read 11:16
